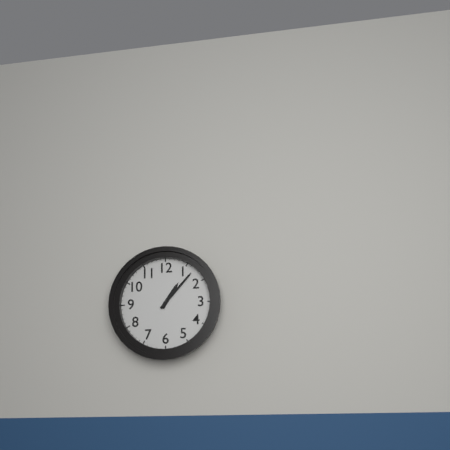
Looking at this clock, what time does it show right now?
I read 1:07
